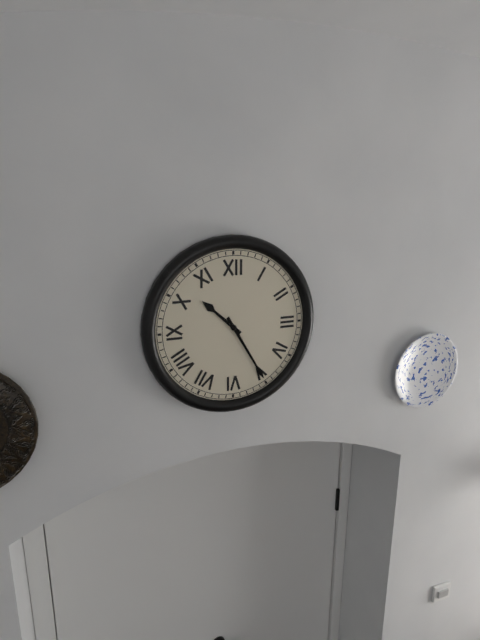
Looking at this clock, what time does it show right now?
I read 10:25
